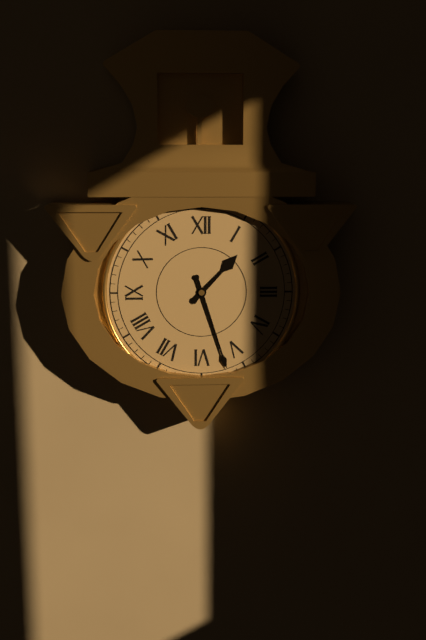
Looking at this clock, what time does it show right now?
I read 1:27
